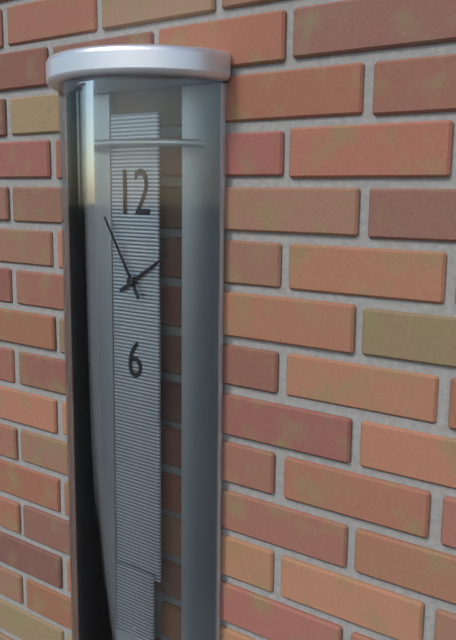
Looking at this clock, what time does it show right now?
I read 1:55
